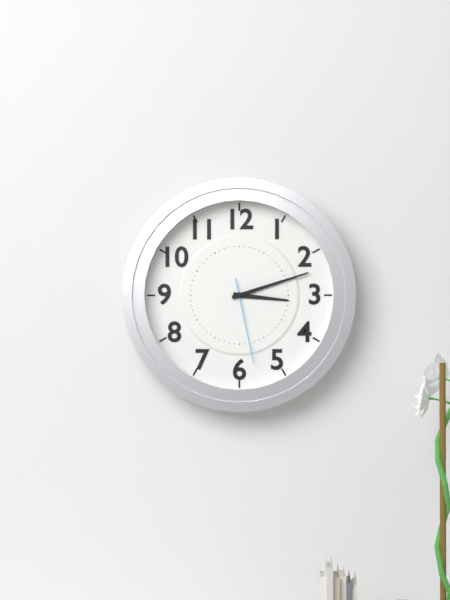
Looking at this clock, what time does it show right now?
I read 3:12:28
